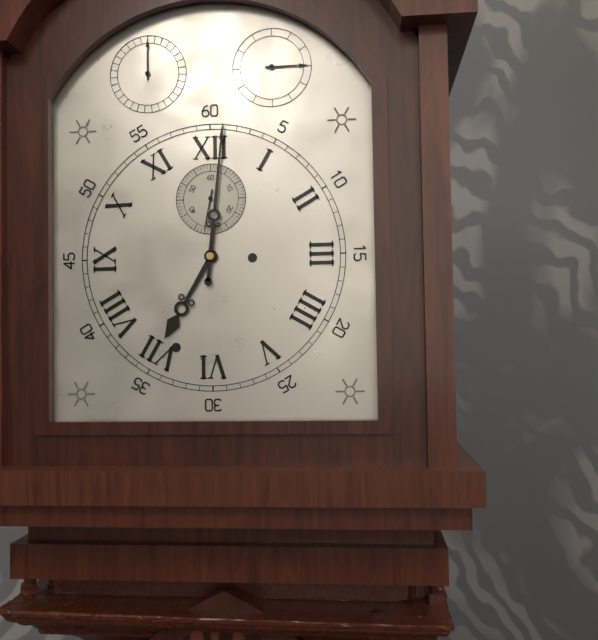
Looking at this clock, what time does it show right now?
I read 7:01
